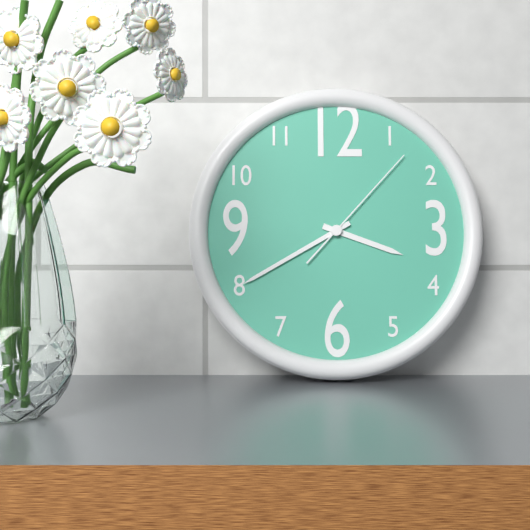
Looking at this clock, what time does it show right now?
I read 3:40:07
